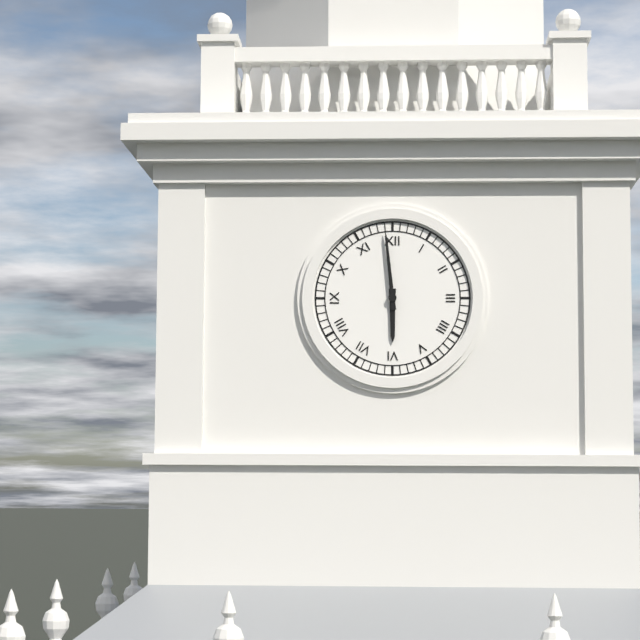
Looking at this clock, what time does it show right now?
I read 5:59
